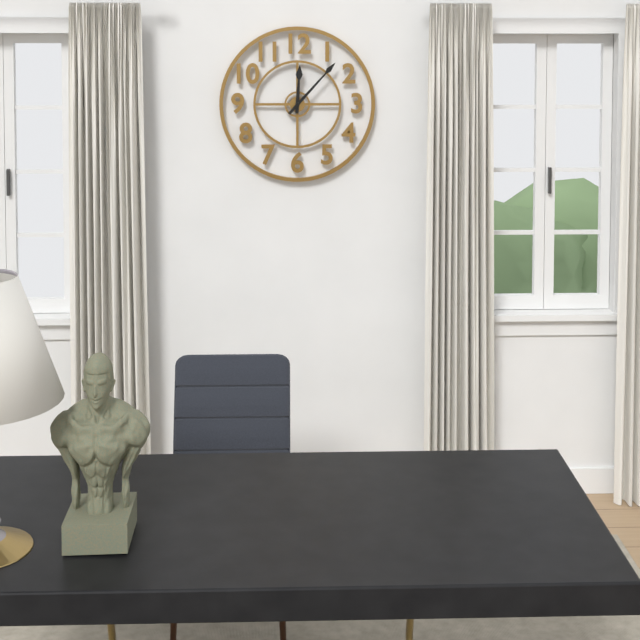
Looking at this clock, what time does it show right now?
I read 12:07
